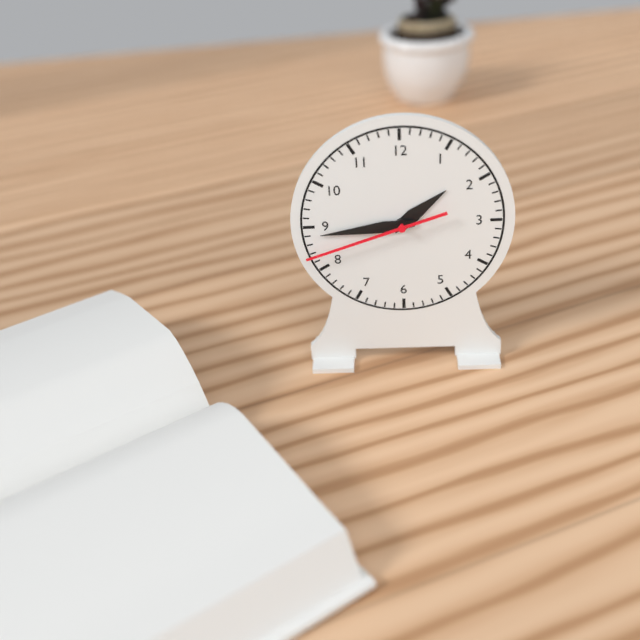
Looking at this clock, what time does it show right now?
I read 1:44:42
